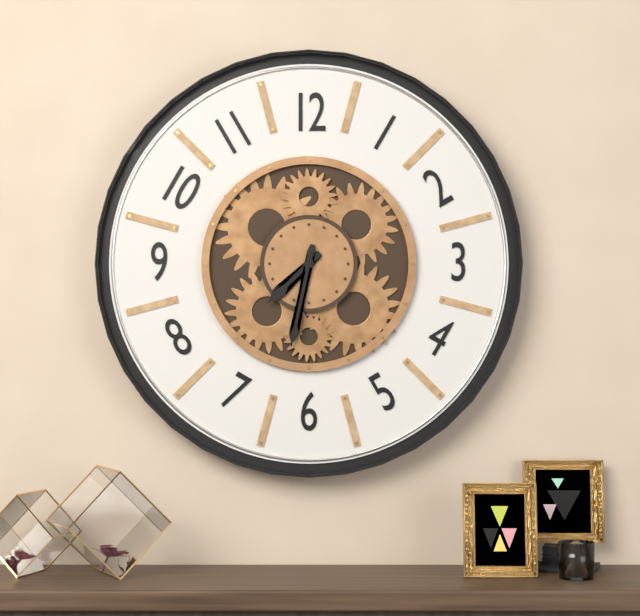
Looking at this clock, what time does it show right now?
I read 7:32
